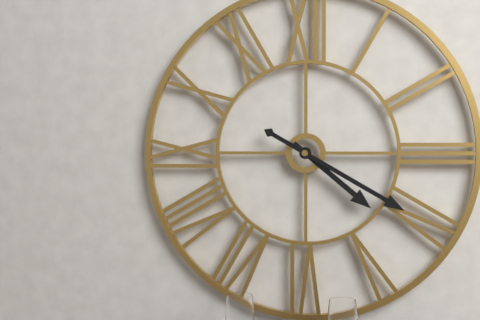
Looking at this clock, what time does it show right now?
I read 4:20
